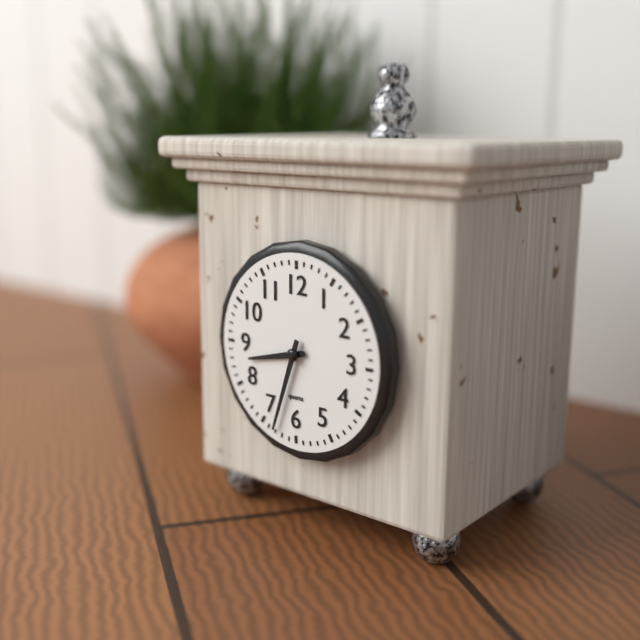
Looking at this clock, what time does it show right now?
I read 8:33
